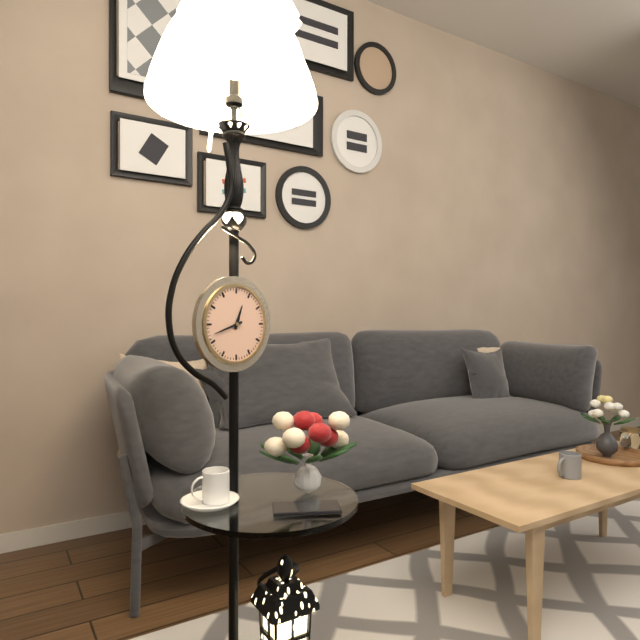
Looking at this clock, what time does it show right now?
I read 12:42
